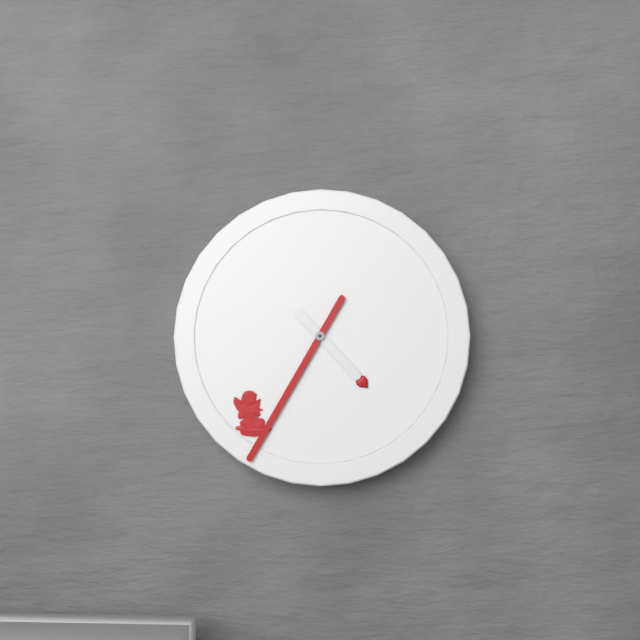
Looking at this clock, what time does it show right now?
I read 4:35
